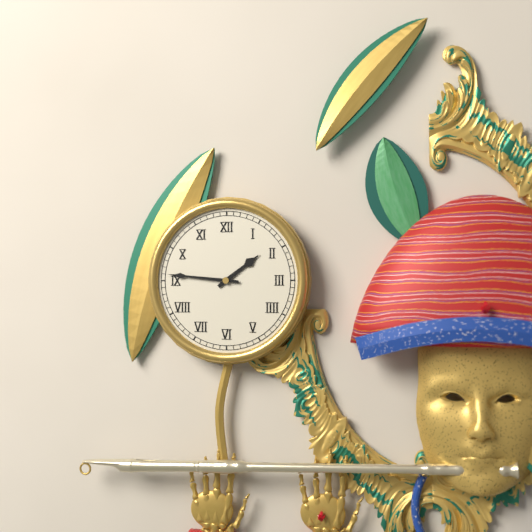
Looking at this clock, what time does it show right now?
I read 1:46
